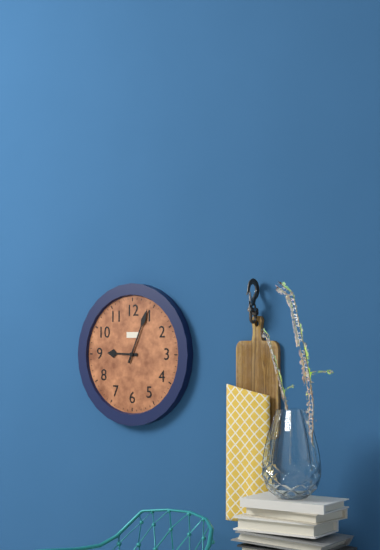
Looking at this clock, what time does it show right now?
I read 9:04
